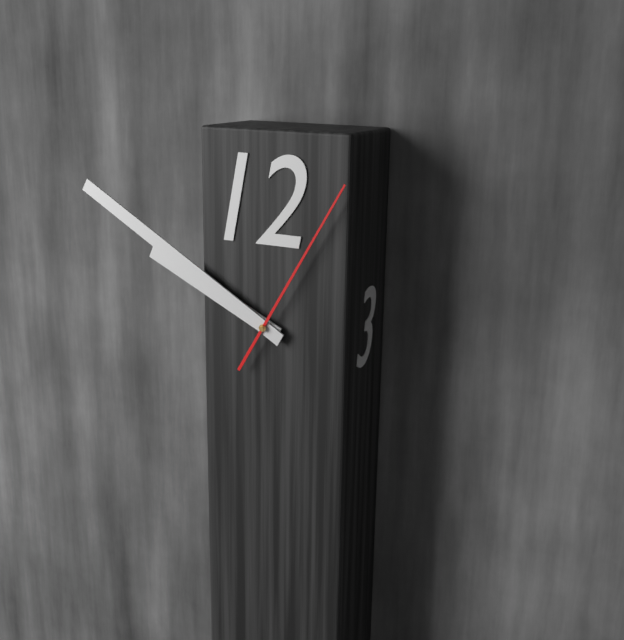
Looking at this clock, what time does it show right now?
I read 9:50:05
